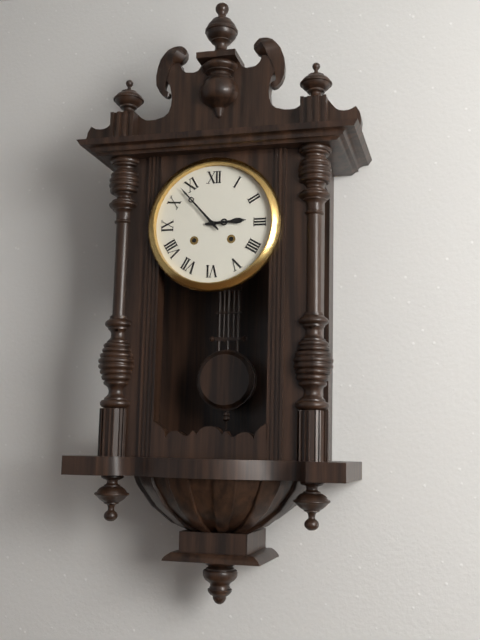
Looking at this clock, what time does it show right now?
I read 2:53
